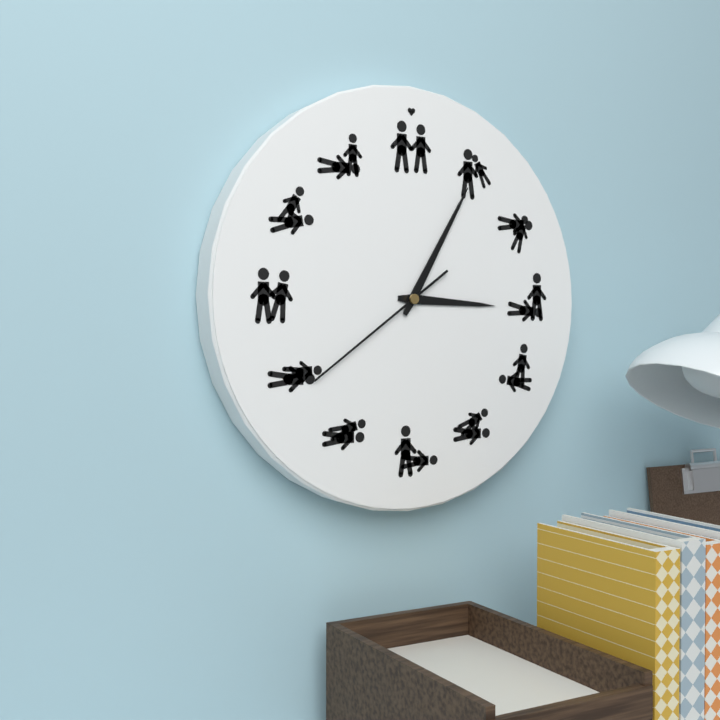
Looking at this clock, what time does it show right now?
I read 3:05:39
